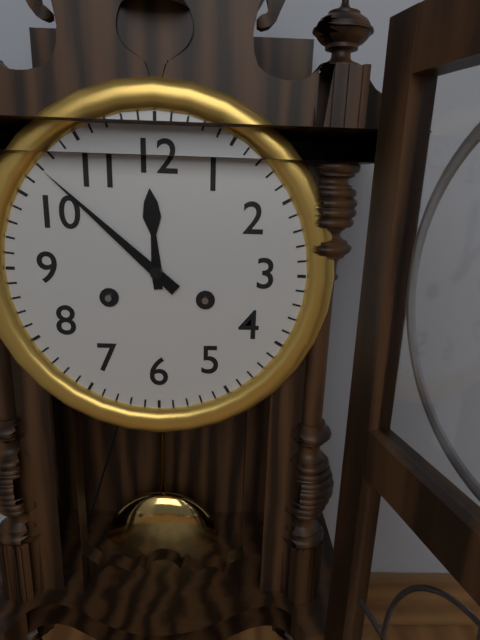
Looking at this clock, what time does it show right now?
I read 11:52
